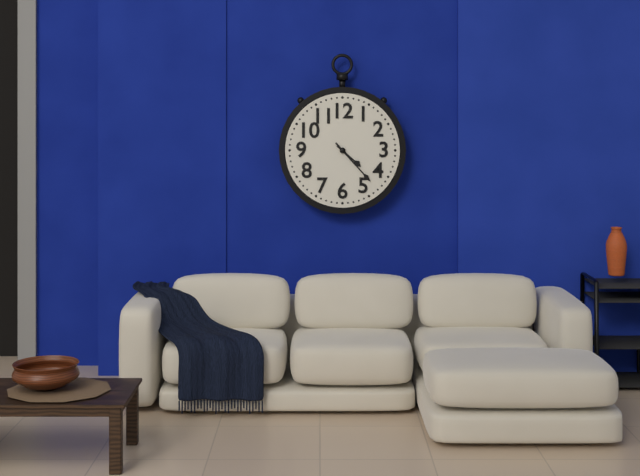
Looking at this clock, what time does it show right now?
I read 4:23
